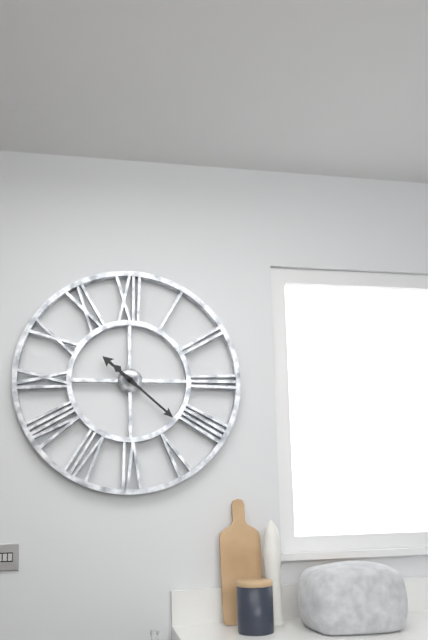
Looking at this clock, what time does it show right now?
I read 10:22
